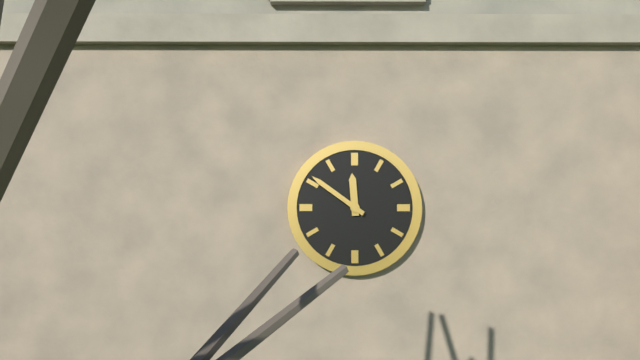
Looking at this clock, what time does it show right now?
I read 11:51
